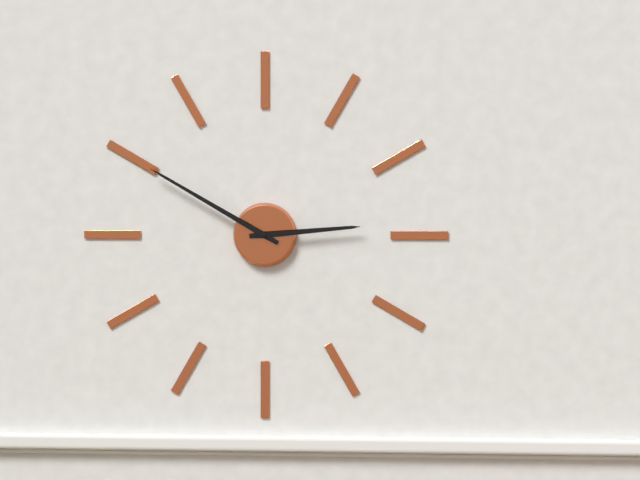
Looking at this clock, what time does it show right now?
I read 2:50
